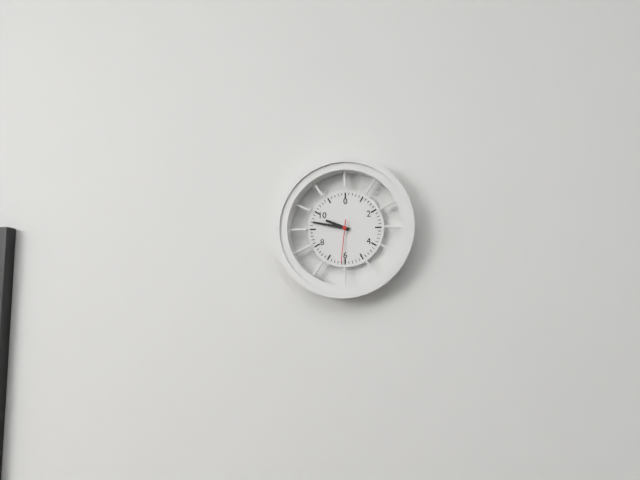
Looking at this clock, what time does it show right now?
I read 9:47
